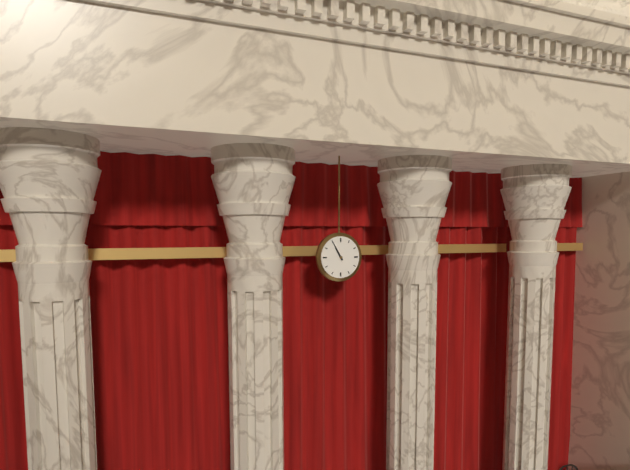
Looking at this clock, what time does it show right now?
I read 10:55
